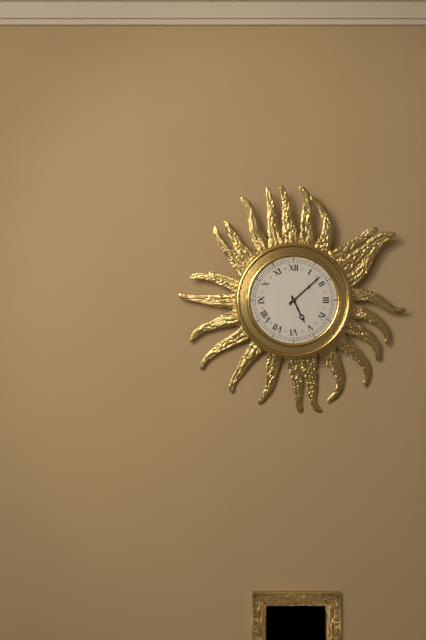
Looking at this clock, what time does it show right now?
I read 5:08
